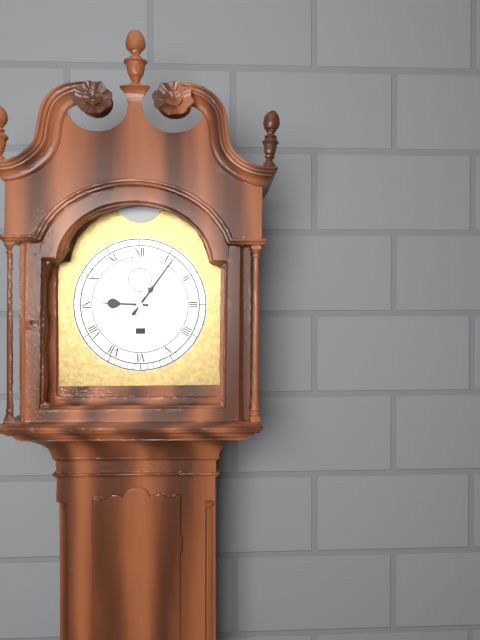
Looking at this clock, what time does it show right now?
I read 9:06
